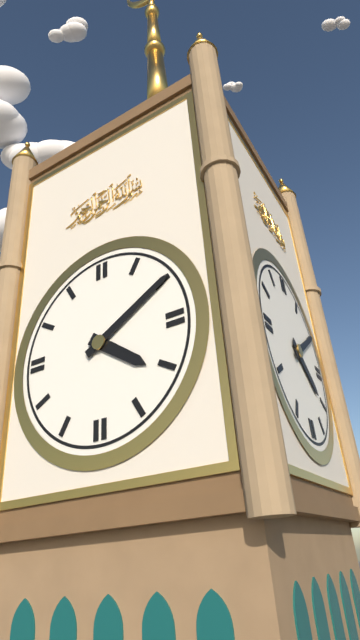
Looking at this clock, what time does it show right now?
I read 4:10
